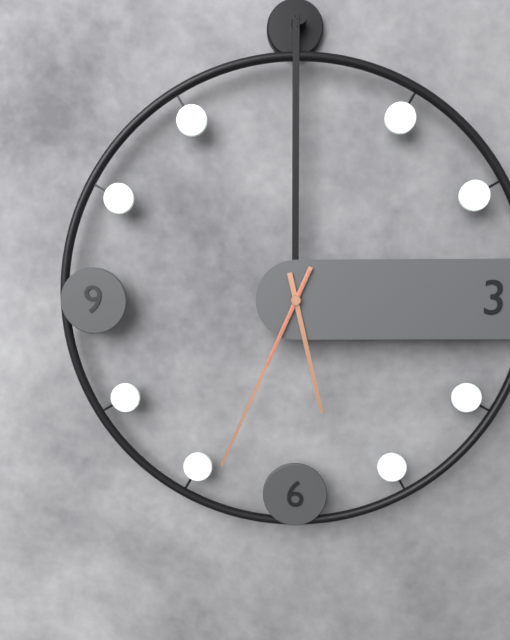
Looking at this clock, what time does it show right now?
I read 5:34:34
